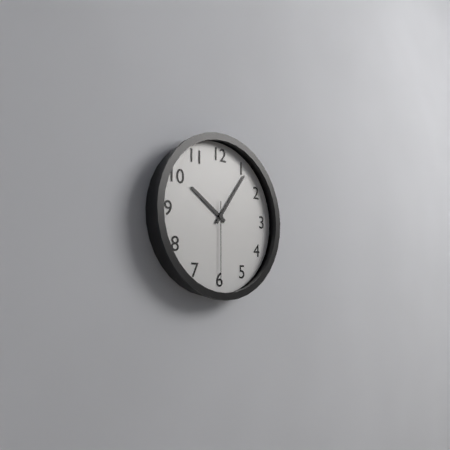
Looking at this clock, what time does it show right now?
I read 10:06:30
